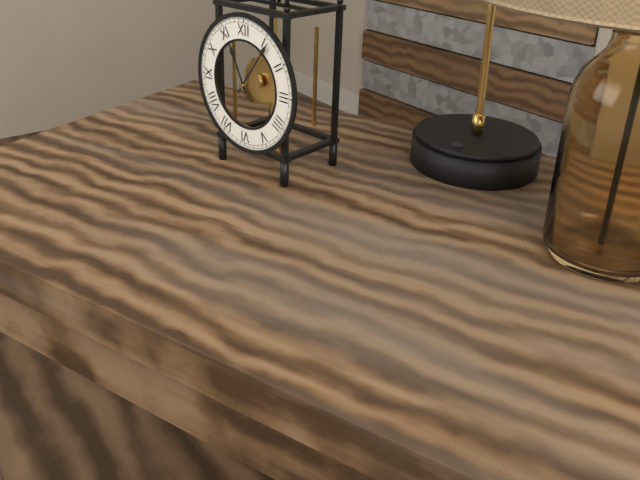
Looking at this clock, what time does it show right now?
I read 11:06
